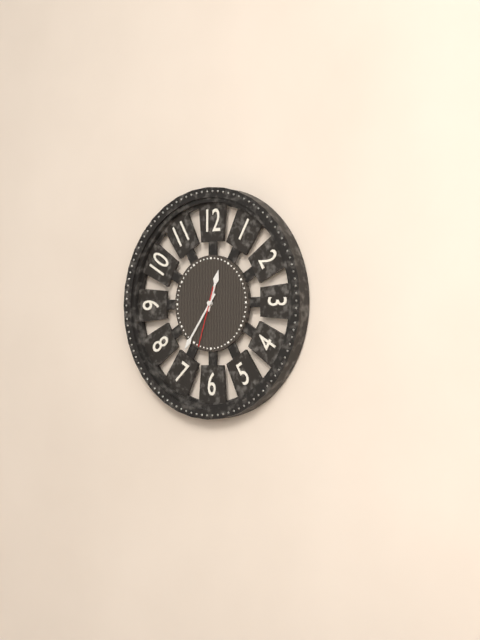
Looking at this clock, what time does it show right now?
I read 12:36:33
